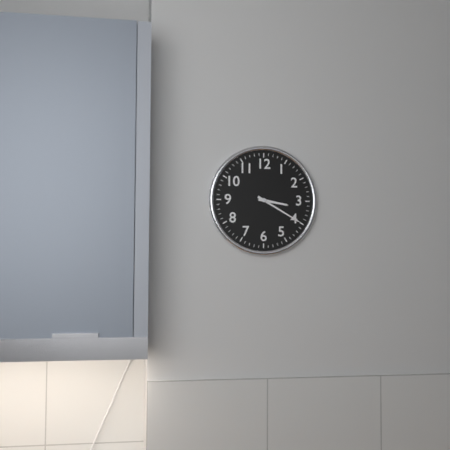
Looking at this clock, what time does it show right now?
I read 3:20
